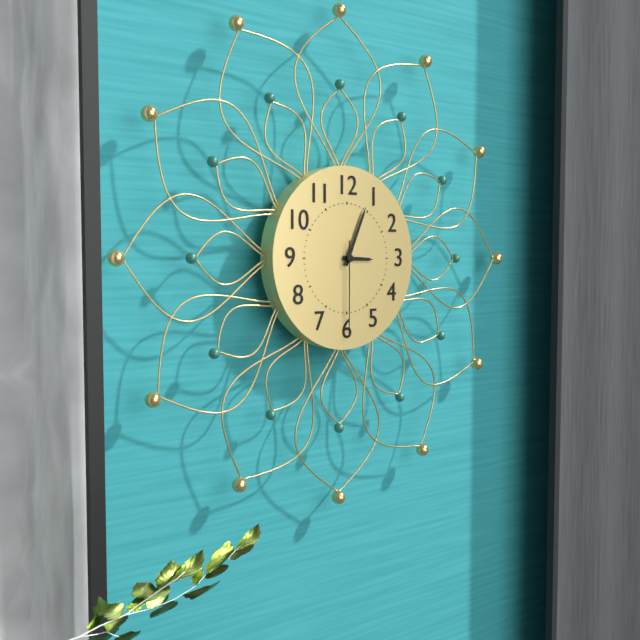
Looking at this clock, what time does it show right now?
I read 3:04:30
